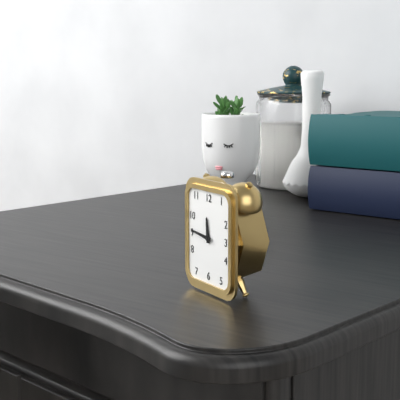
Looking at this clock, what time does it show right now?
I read 11:46
